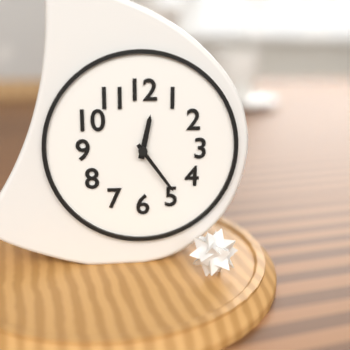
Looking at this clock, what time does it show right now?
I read 12:24
